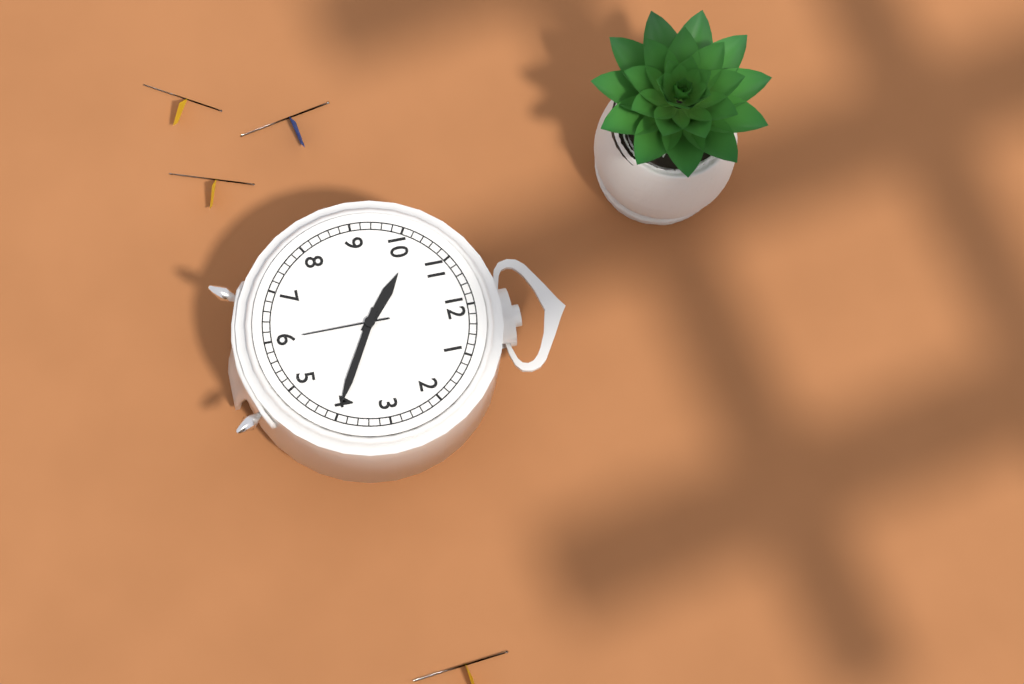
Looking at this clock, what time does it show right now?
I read 10:20:30
